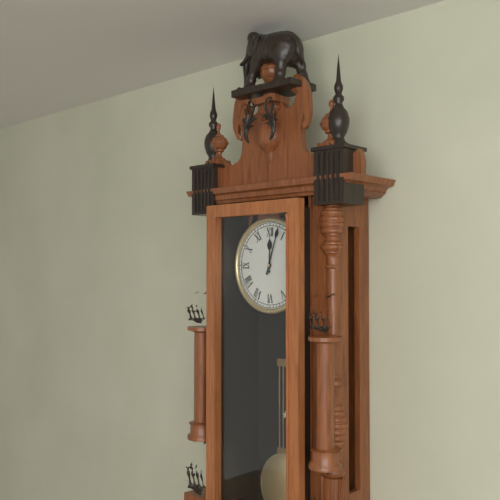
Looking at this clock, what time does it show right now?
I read 12:03
